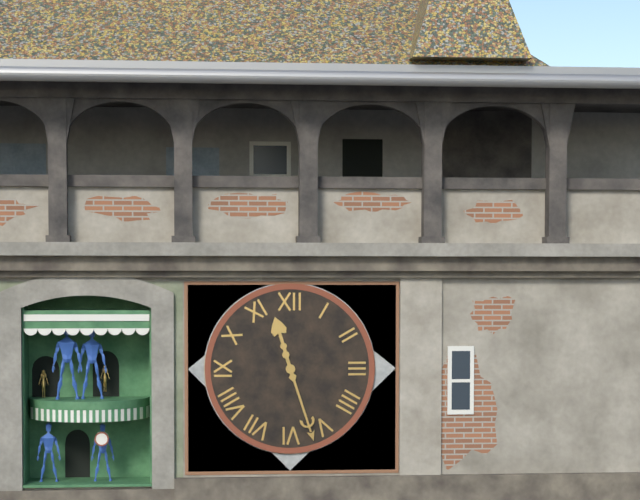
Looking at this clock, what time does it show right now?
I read 11:27
